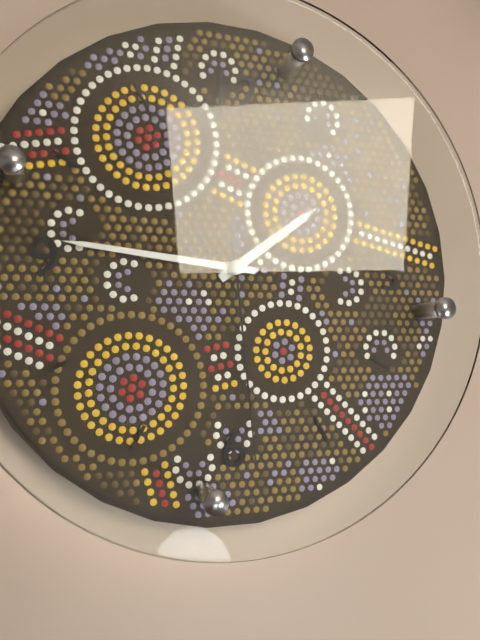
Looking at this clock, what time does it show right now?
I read 1:46:29
